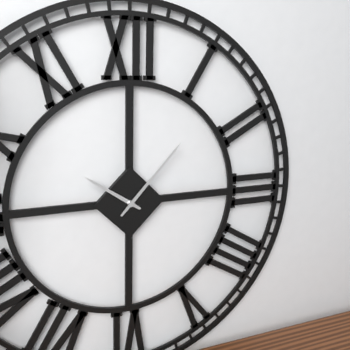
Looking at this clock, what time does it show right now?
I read 10:07
